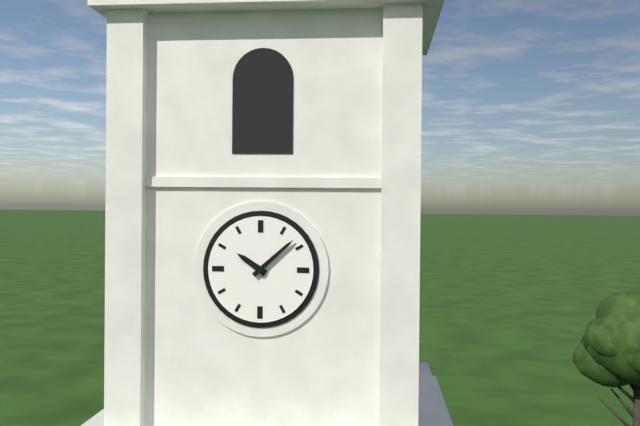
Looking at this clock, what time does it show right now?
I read 10:08
